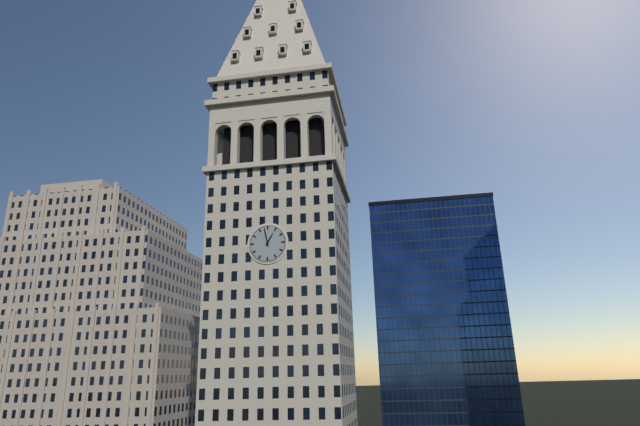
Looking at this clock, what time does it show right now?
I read 12:58
